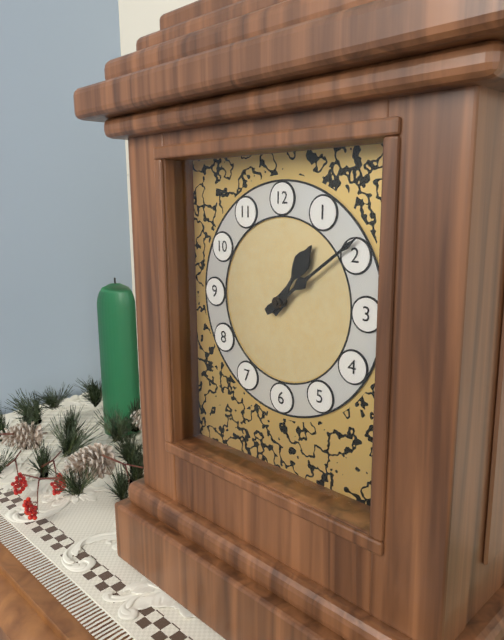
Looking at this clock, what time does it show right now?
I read 1:09
